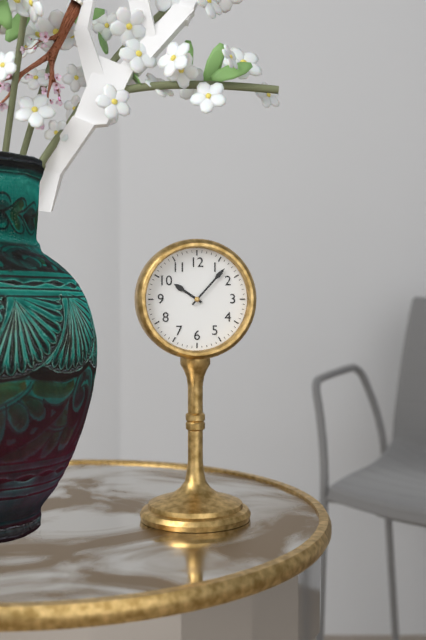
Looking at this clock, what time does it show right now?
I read 10:07
